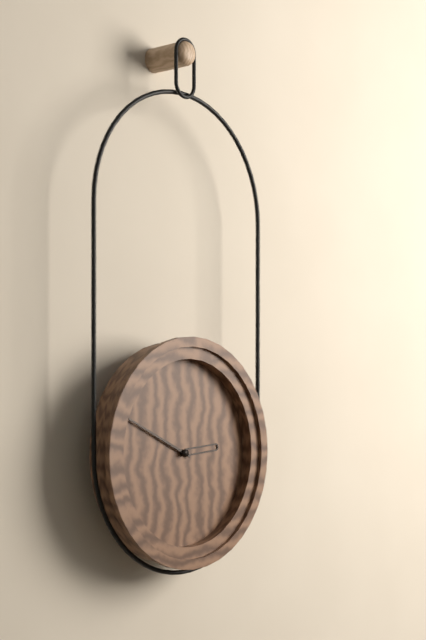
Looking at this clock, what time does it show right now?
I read 2:49
